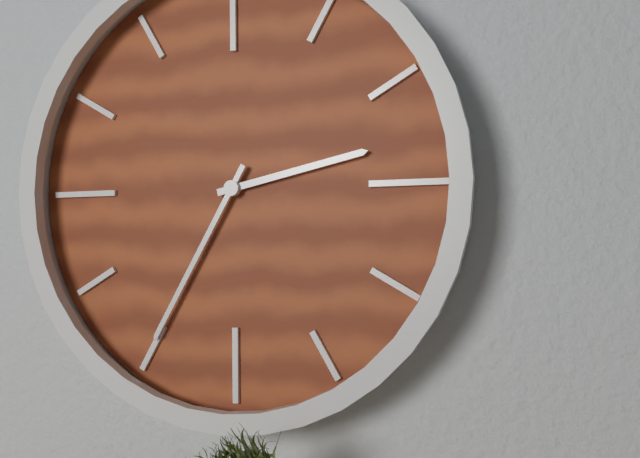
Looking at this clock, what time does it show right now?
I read 2:35
